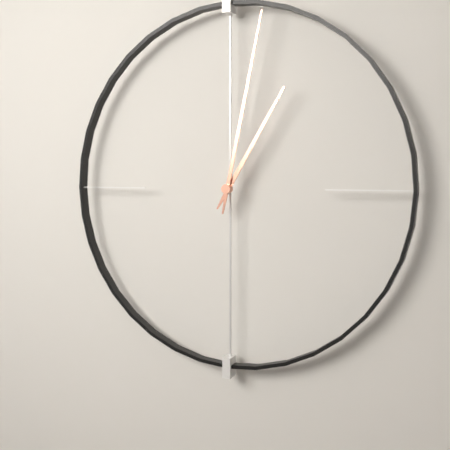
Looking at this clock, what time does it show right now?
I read 1:02
